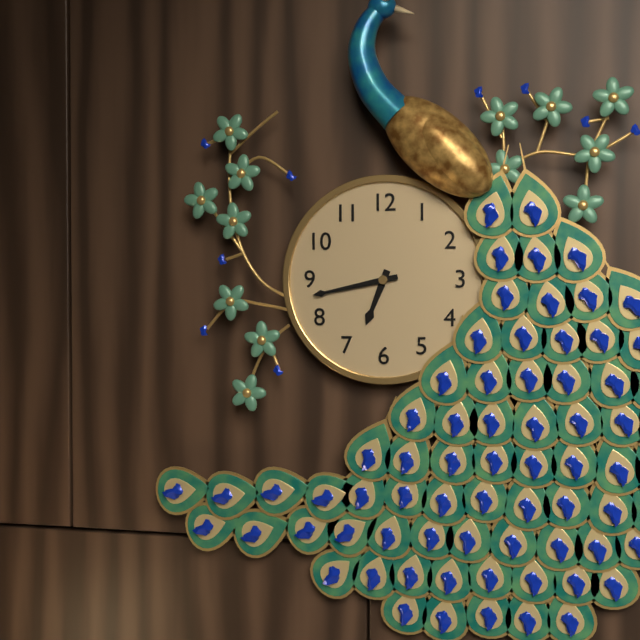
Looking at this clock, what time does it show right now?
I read 6:43
